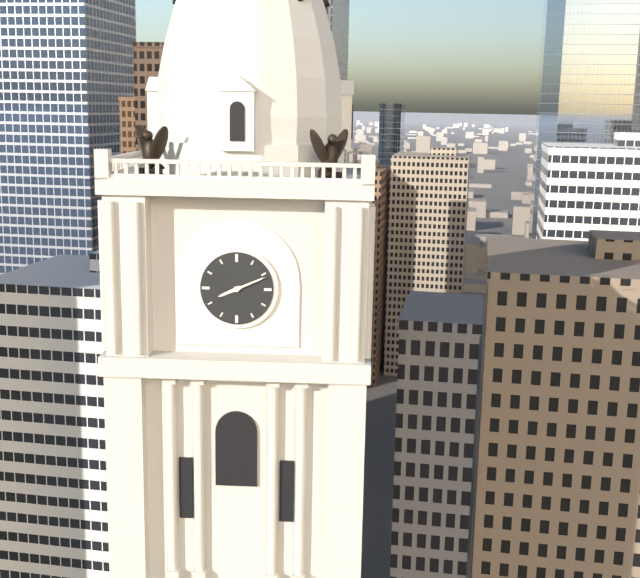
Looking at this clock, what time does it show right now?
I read 8:11
